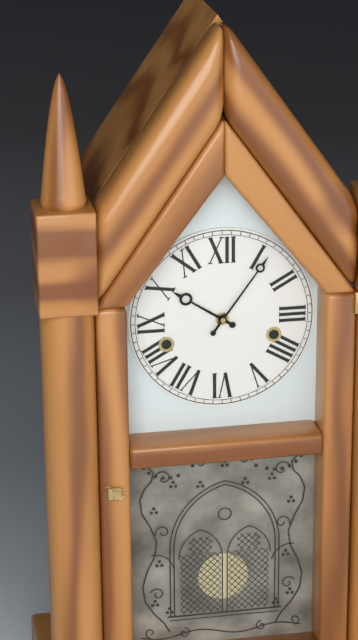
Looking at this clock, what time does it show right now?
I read 10:06
